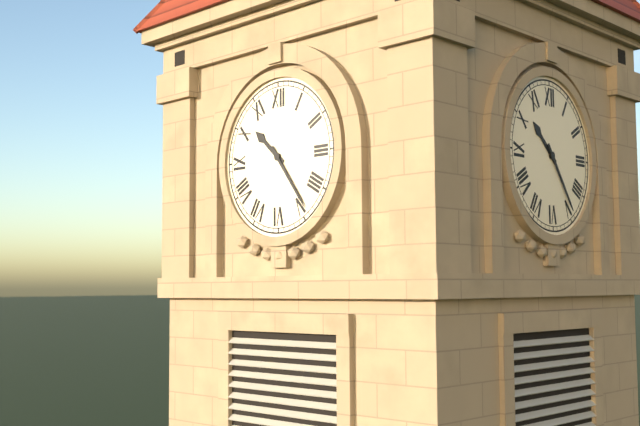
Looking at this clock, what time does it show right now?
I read 10:24
